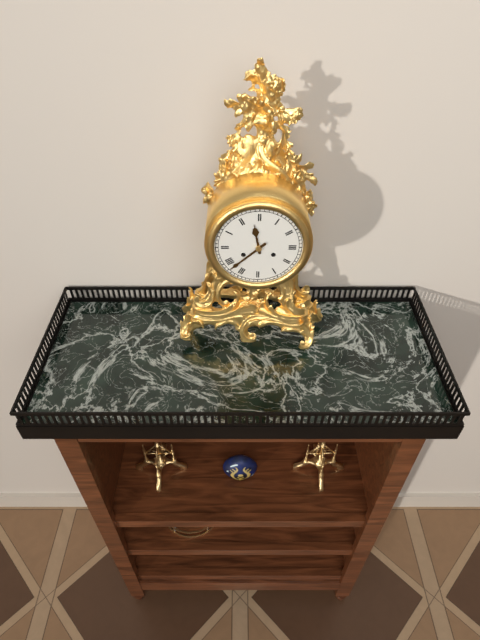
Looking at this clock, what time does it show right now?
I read 11:38
